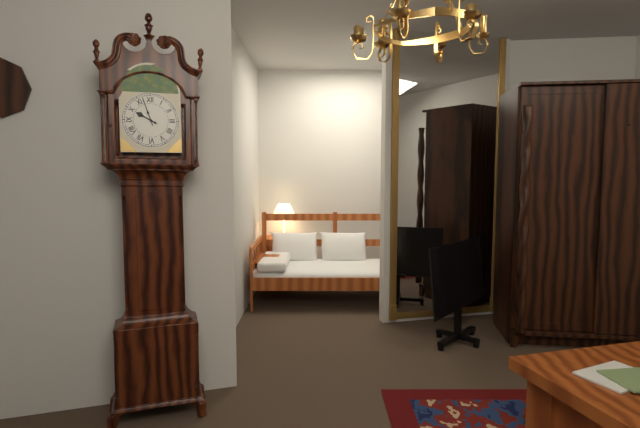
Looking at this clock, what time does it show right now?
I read 9:57
